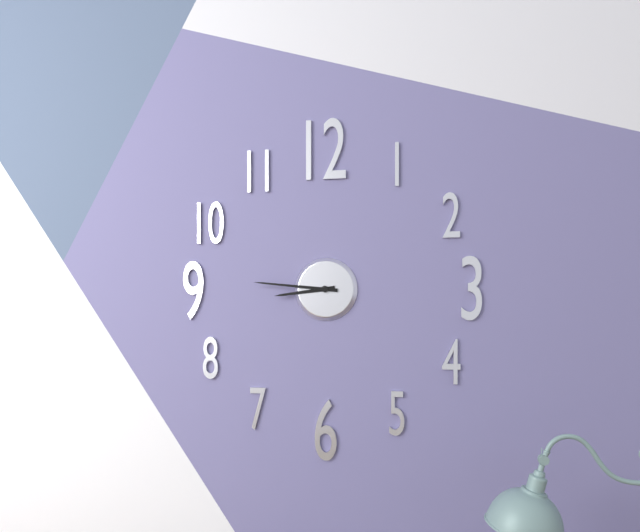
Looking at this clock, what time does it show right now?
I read 8:46
